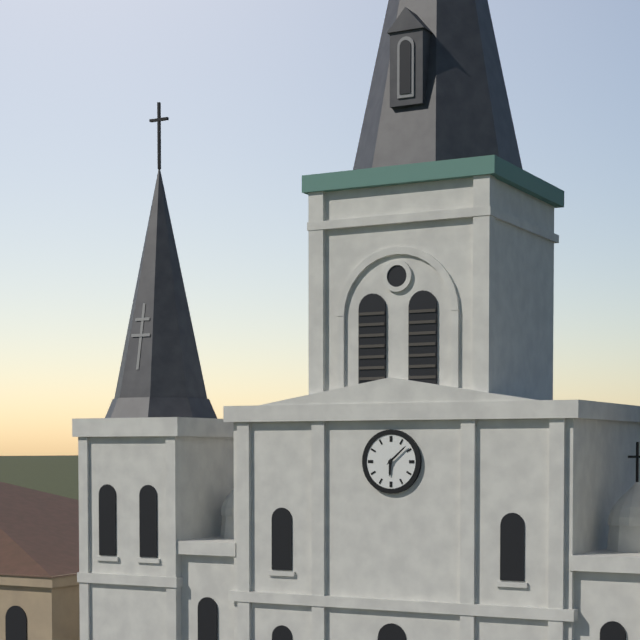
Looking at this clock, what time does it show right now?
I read 6:08
